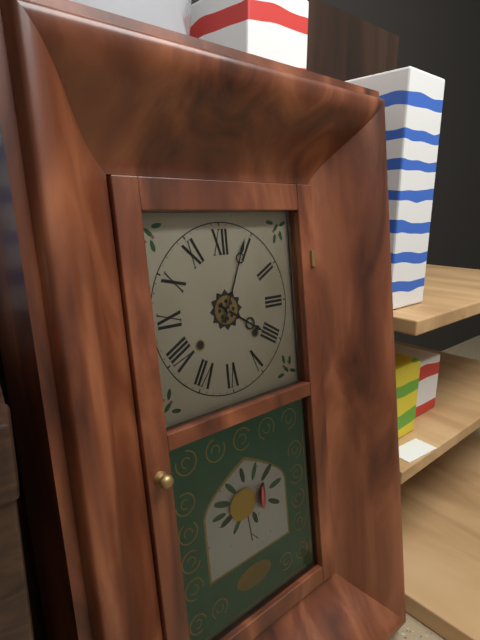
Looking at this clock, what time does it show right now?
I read 4:04
